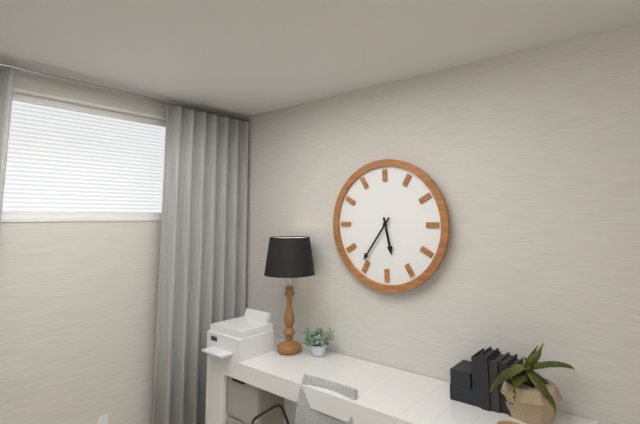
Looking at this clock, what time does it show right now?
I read 5:36
